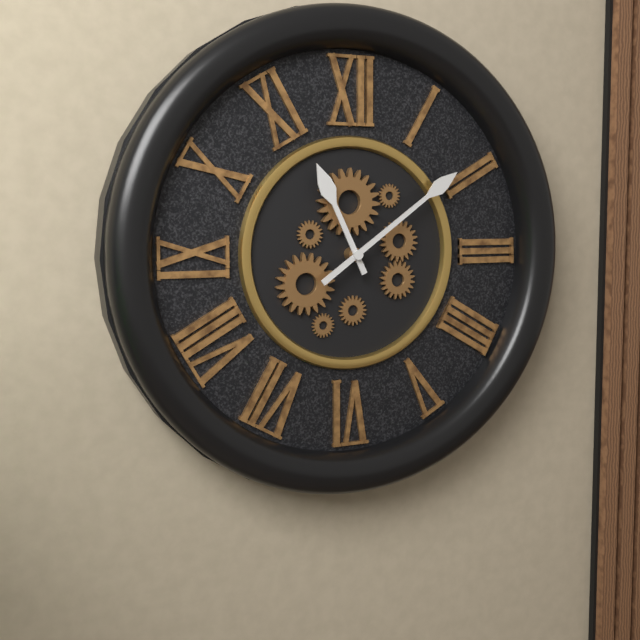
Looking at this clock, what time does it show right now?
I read 11:09
